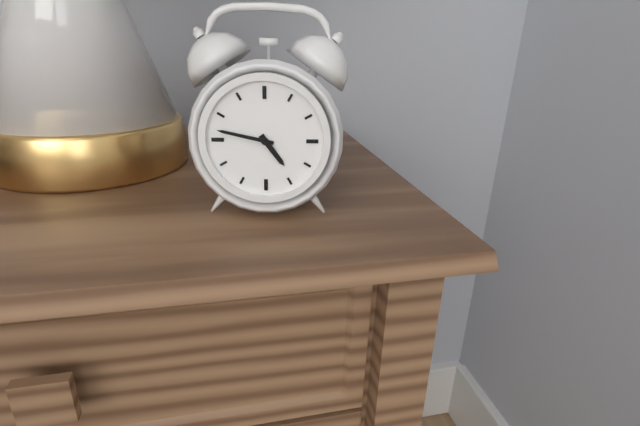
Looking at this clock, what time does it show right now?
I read 4:47
